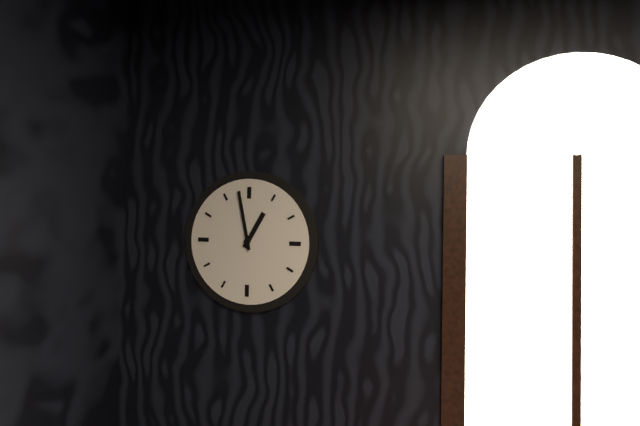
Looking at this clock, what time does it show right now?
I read 12:58
